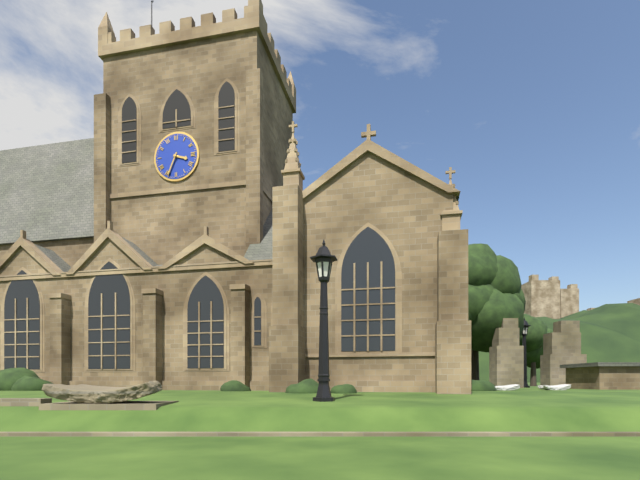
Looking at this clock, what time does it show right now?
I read 3:34
